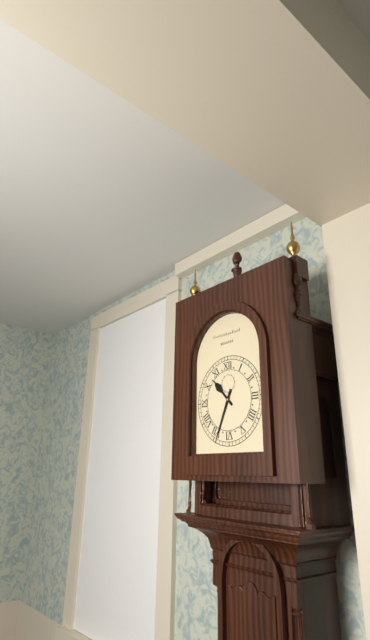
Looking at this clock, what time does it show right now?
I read 10:34
